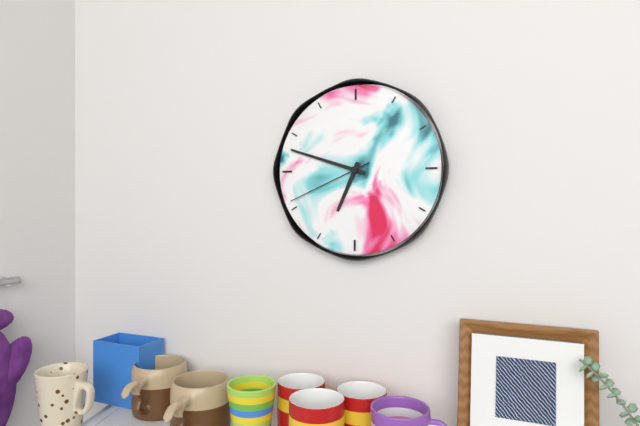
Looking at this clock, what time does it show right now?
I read 6:48:41
